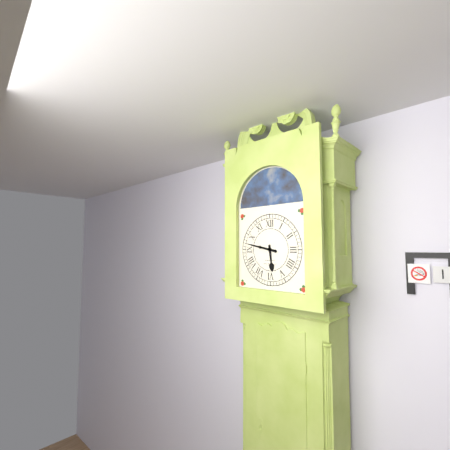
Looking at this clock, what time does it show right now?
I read 5:47
